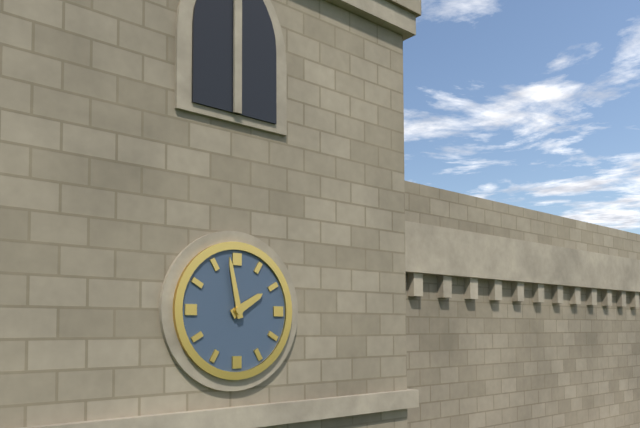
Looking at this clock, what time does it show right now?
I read 1:58
